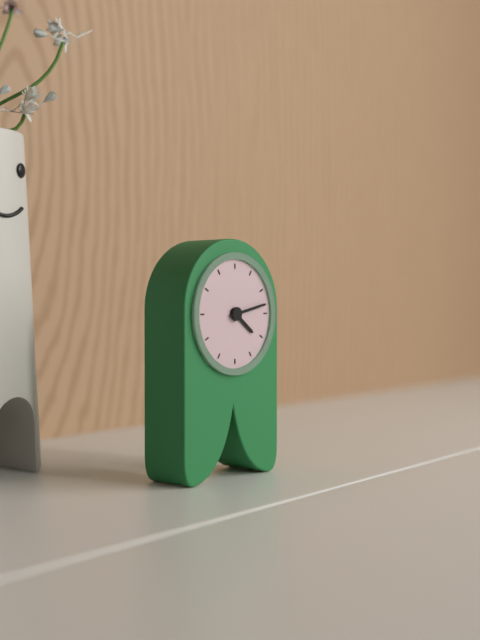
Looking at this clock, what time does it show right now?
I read 4:13
